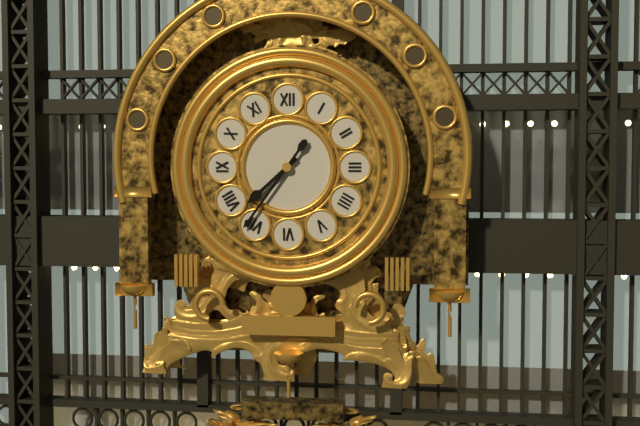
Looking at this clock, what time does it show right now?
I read 7:36
